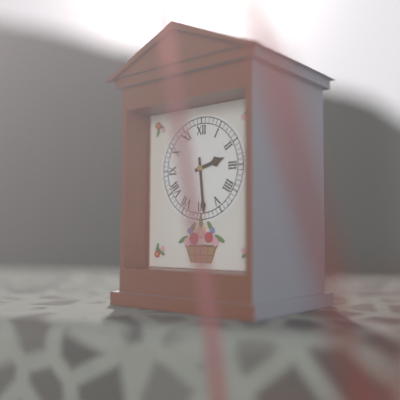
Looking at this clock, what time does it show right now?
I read 2:29
